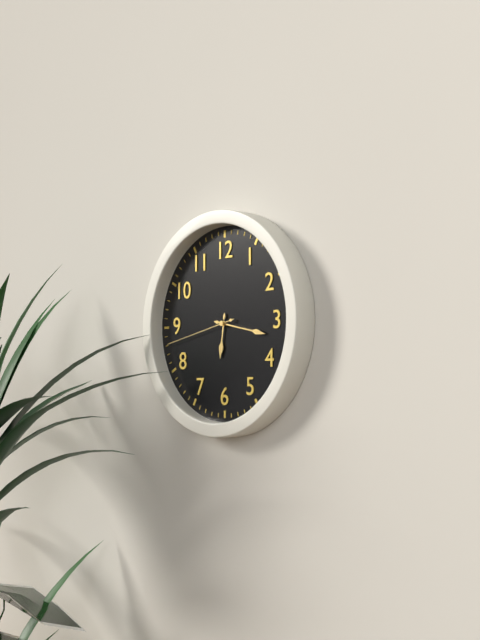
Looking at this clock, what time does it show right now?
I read 6:17:43
